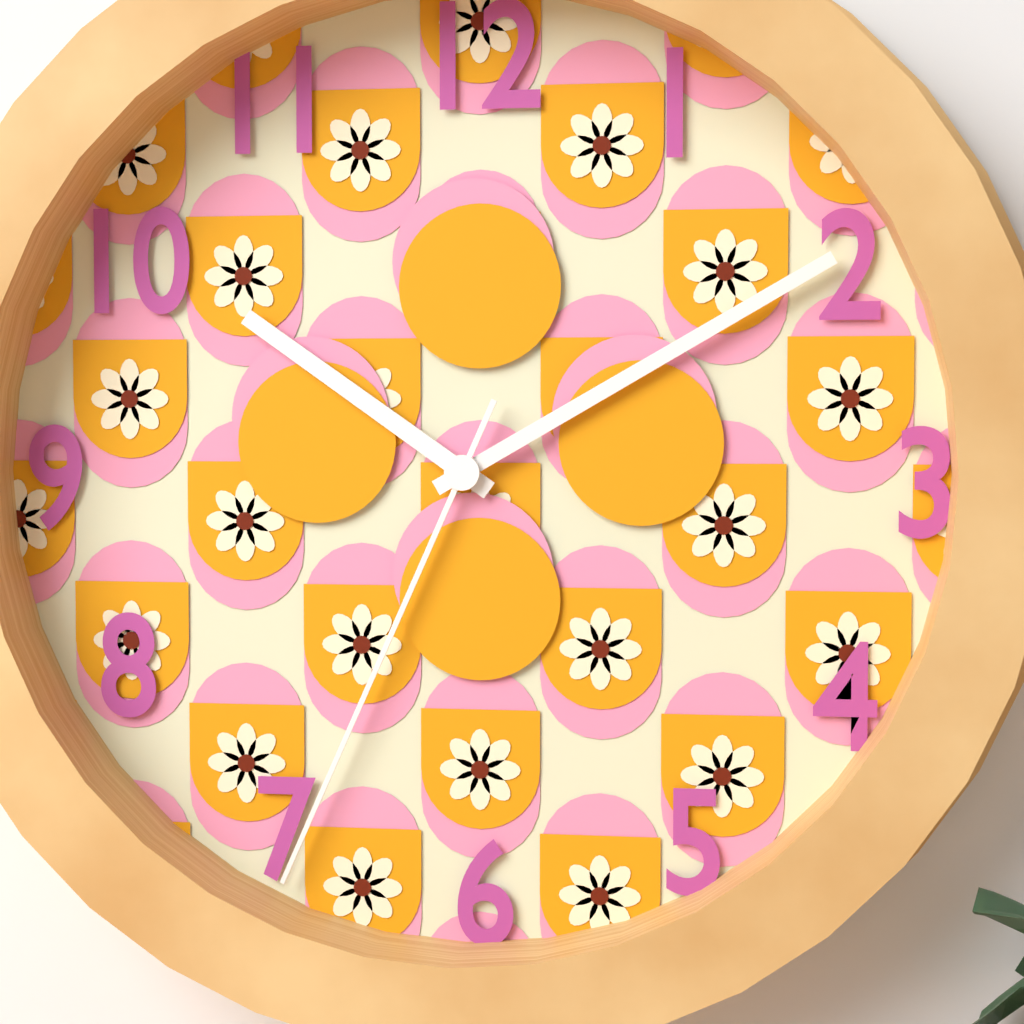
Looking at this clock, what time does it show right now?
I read 10:10:34
